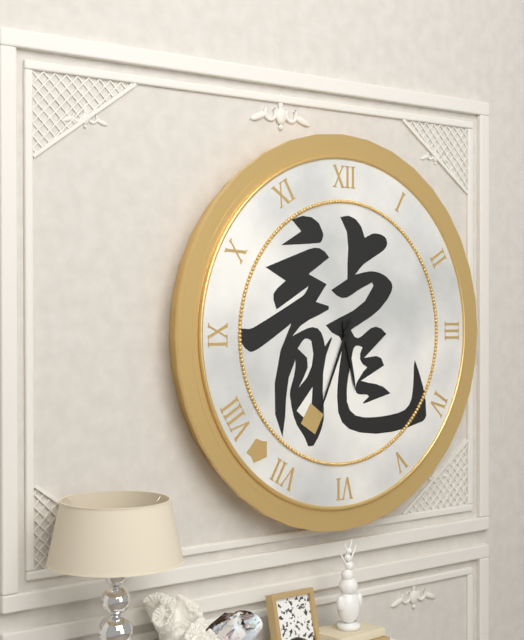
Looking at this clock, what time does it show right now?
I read 5:34
